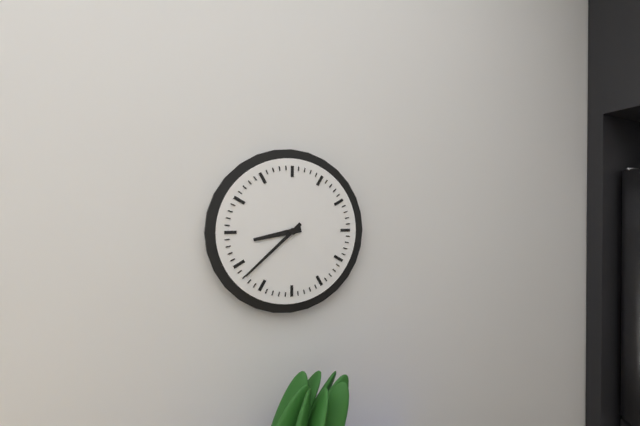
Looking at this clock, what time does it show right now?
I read 8:38
